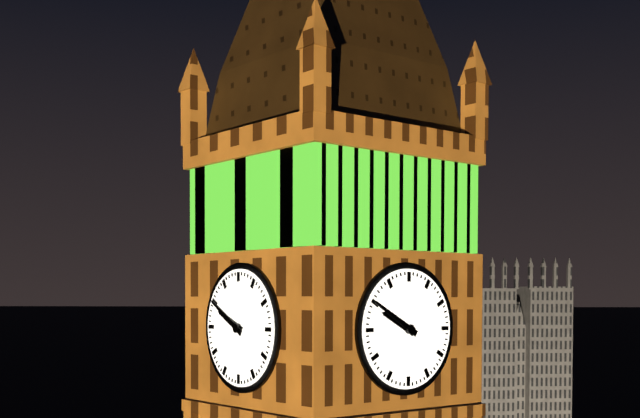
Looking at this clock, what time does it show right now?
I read 9:50
